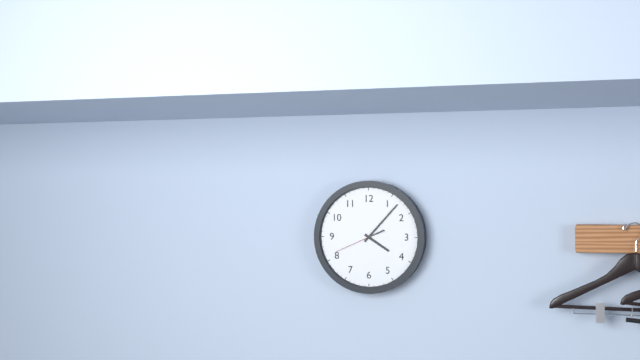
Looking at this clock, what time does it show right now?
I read 4:07
